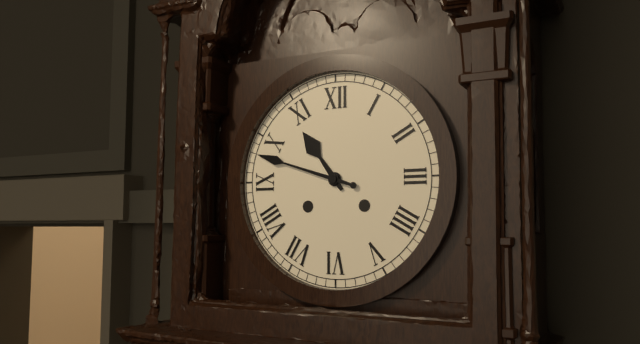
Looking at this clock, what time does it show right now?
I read 10:48
